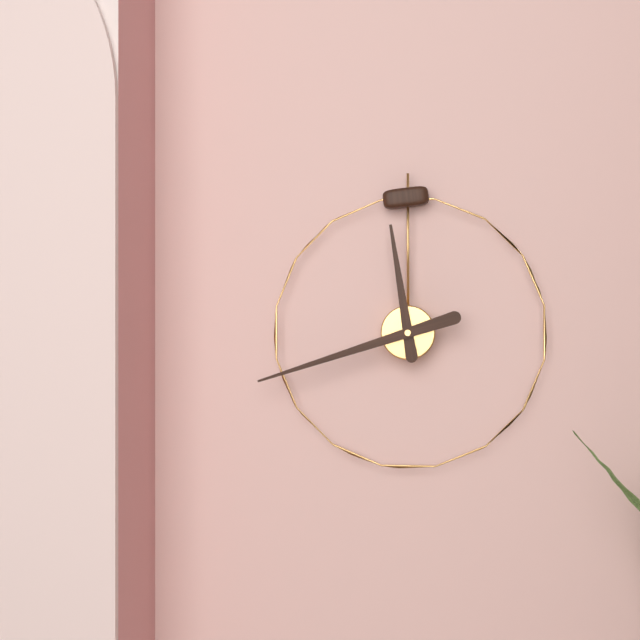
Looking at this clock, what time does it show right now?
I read 11:42
